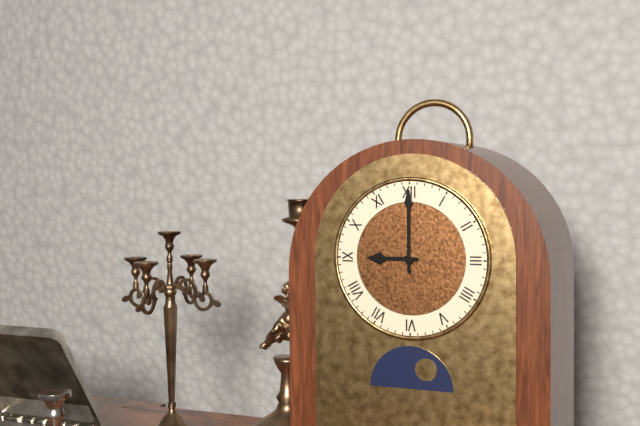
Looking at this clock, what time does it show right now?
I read 9:00
